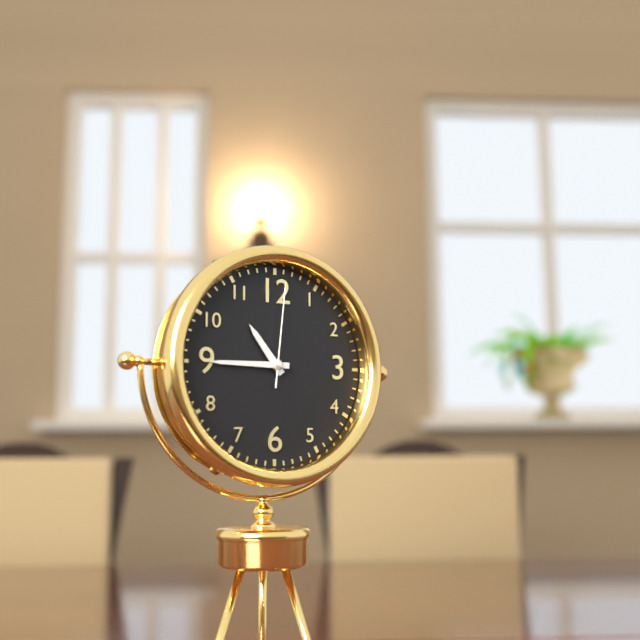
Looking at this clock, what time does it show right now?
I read 10:45:01
